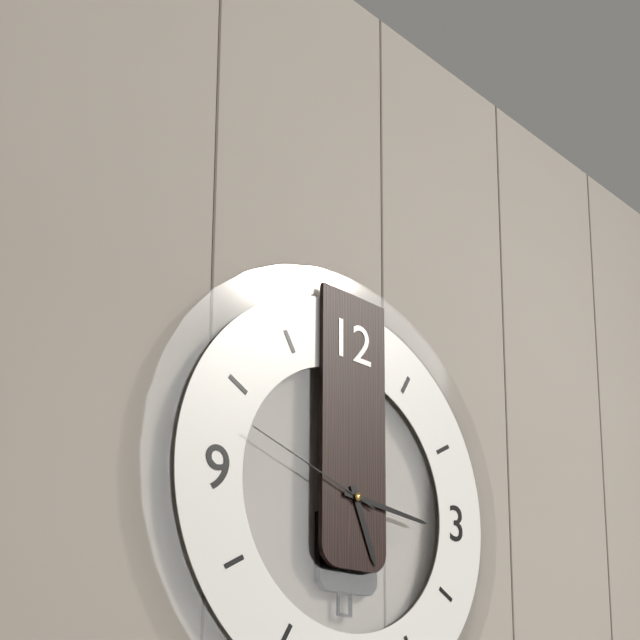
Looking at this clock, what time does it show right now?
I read 5:16:48
